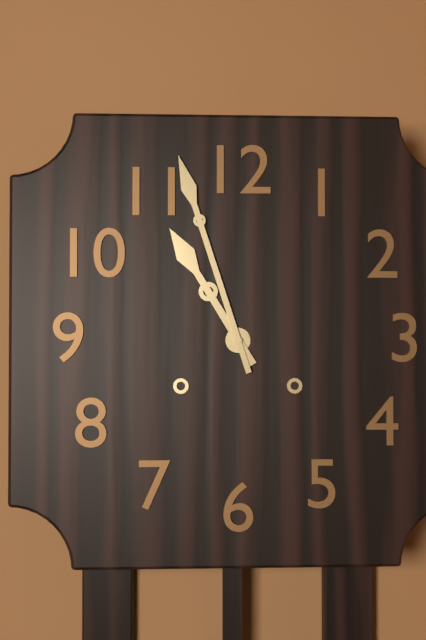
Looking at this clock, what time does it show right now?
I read 10:57
